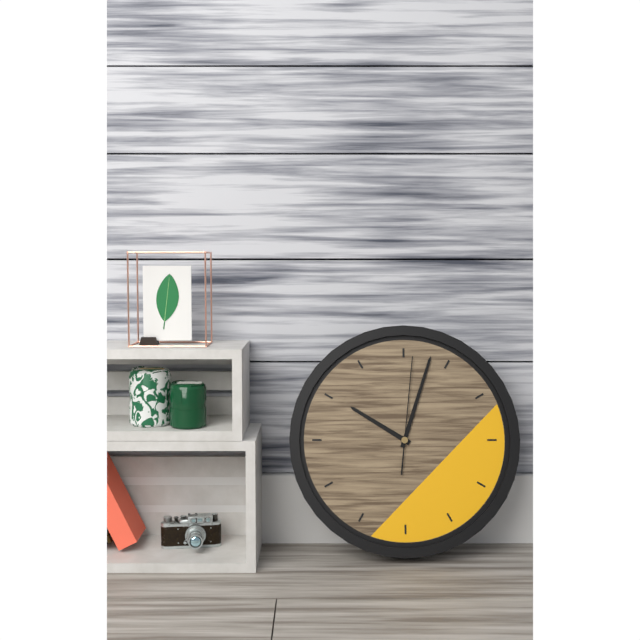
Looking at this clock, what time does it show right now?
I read 10:03:01
